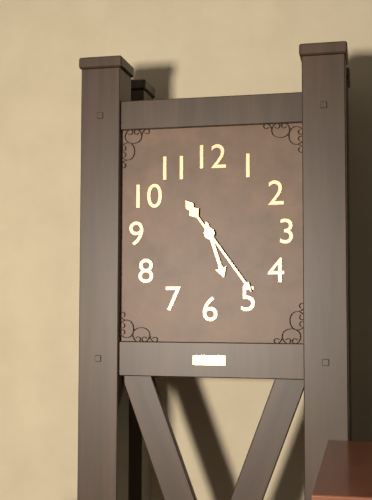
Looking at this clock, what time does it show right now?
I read 5:24
